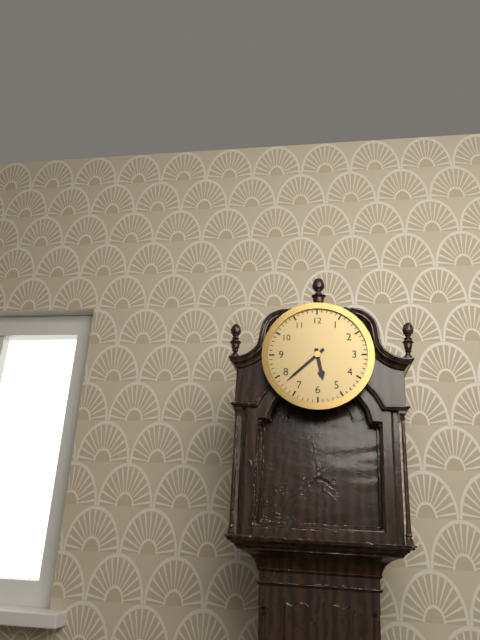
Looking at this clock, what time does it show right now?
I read 5:38
